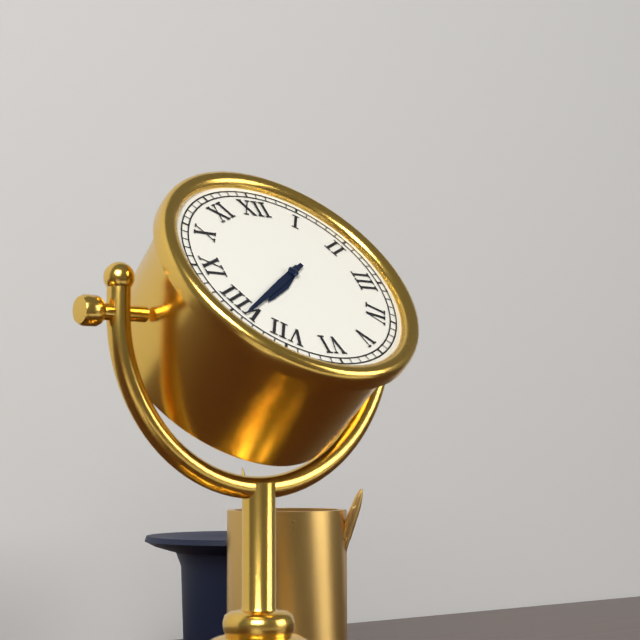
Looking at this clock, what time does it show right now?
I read 7:39
